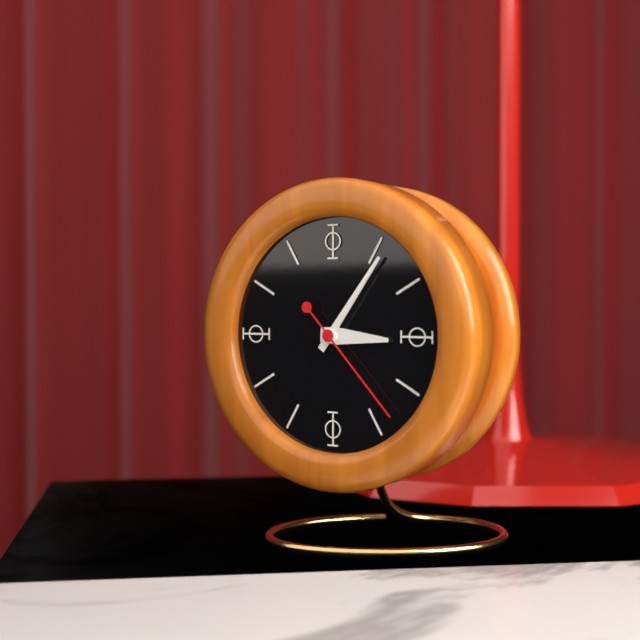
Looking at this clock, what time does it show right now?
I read 3:06:23
